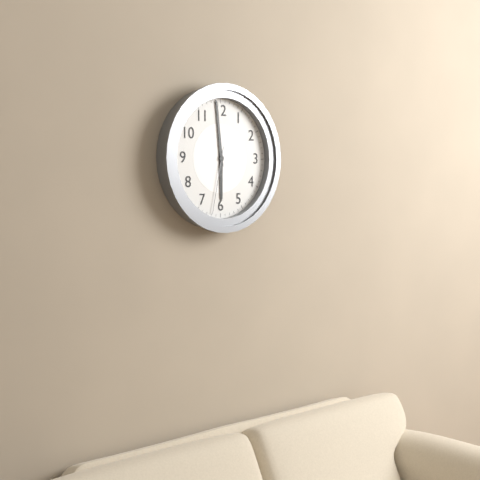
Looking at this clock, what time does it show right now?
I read 5:59:32
